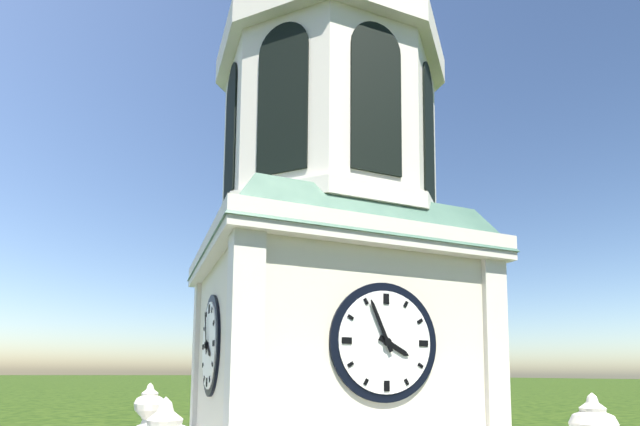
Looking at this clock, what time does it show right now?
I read 3:56
